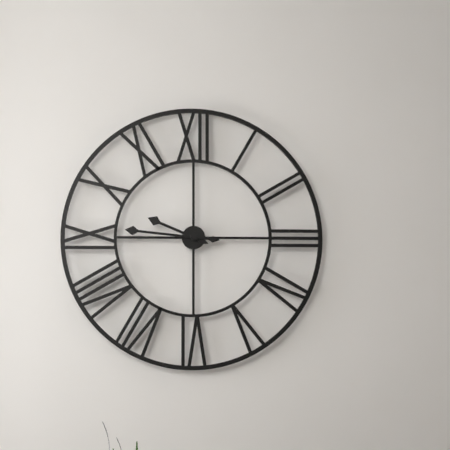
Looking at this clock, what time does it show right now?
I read 9:46
